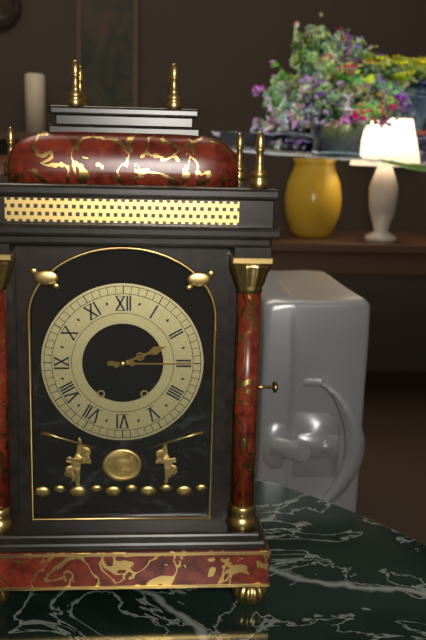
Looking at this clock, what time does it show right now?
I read 2:15
